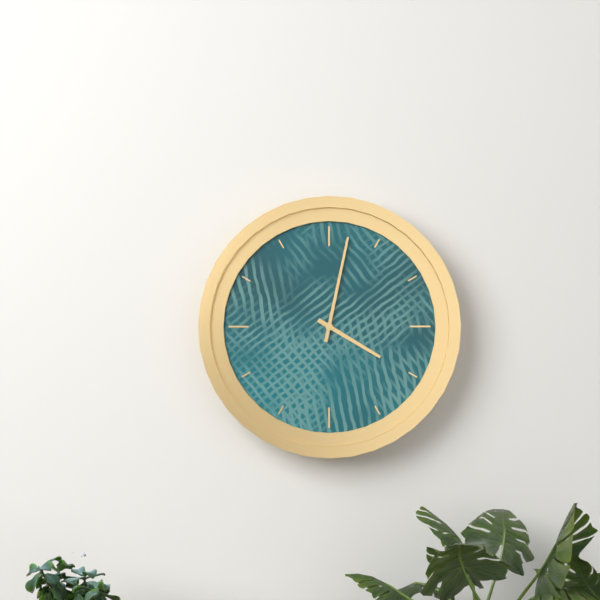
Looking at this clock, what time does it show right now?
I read 4:02
